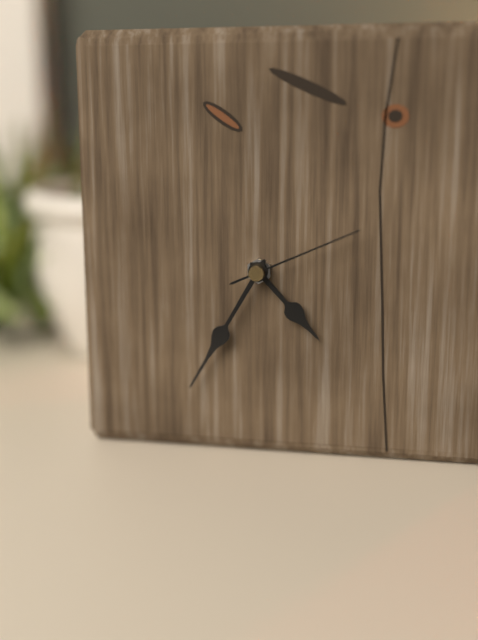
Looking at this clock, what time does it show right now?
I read 4:35:11
